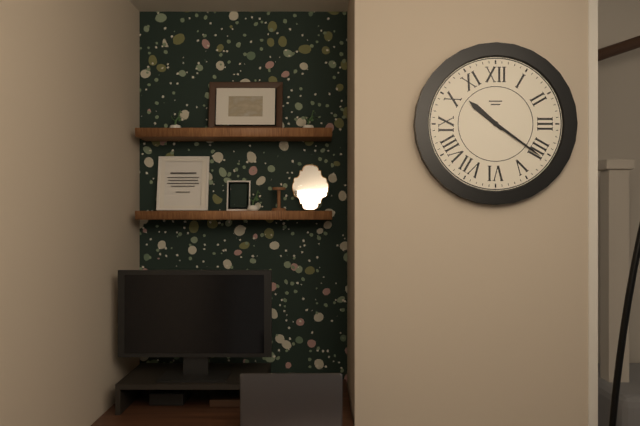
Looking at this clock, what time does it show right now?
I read 10:21
